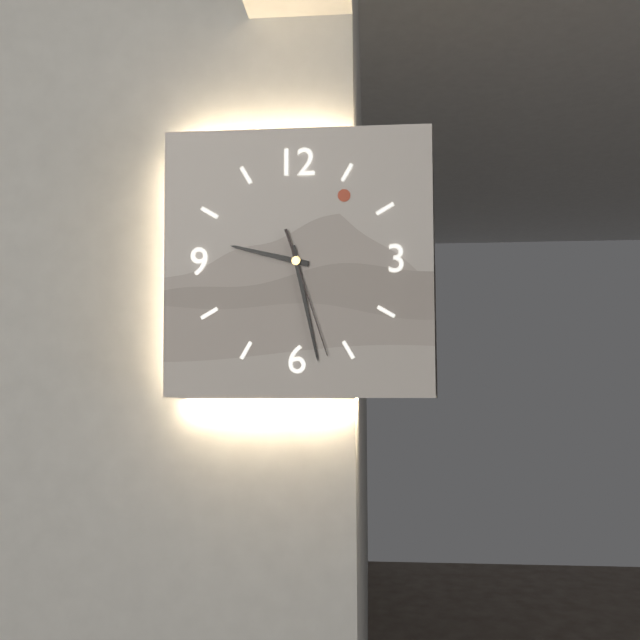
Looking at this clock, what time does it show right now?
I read 9:28:27
